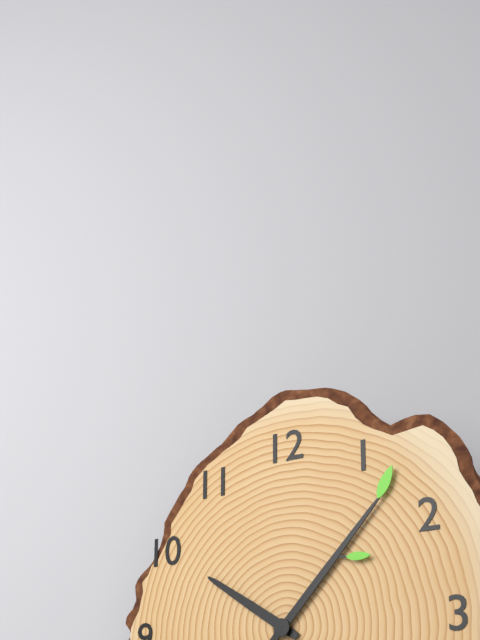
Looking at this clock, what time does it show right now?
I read 10:07
